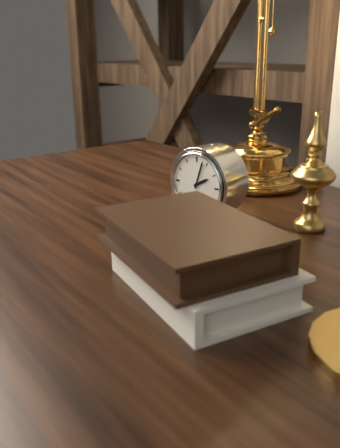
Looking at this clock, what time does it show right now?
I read 2:03
